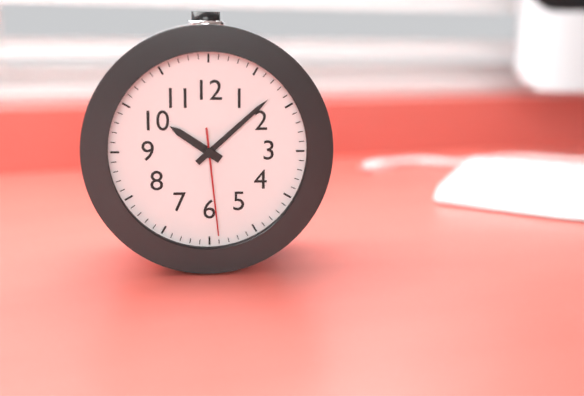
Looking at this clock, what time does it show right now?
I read 10:08:29
